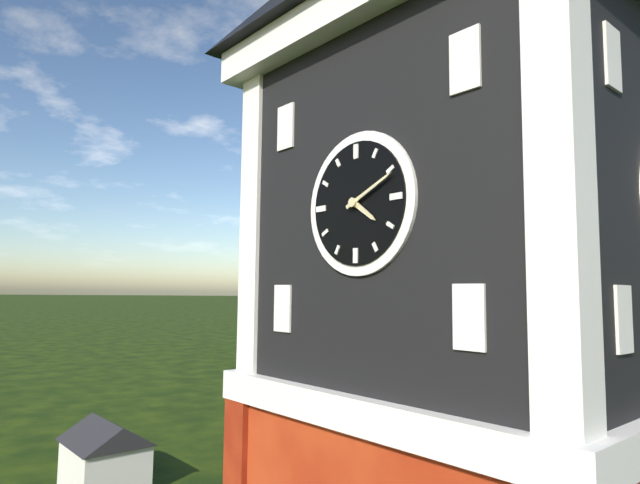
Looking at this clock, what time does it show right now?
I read 4:11
